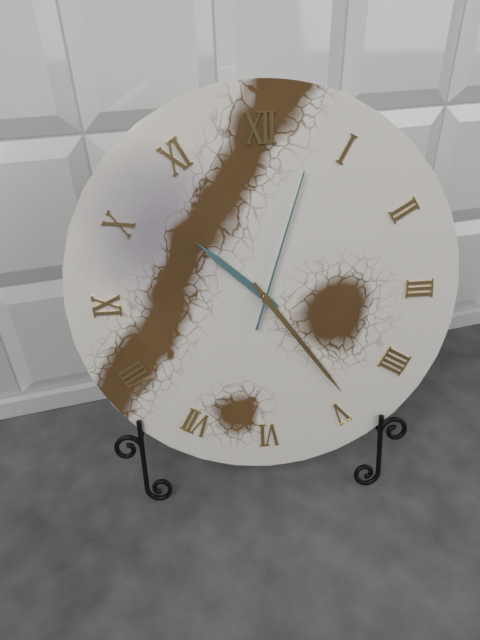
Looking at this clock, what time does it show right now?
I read 10:24:03
